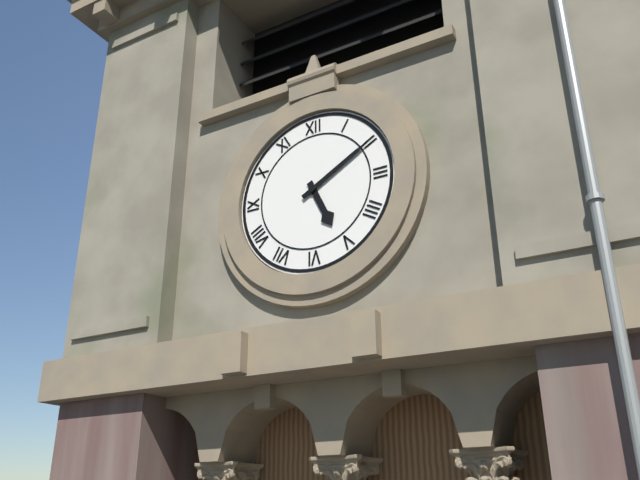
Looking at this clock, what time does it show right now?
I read 5:10
